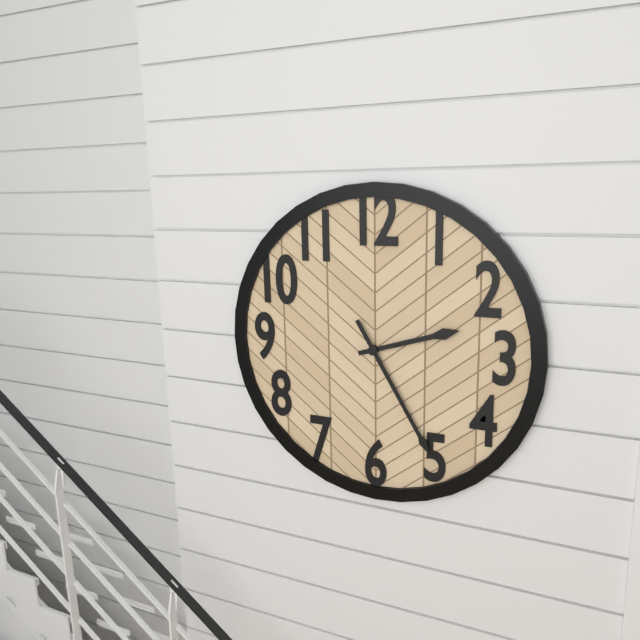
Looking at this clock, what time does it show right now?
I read 2:25
